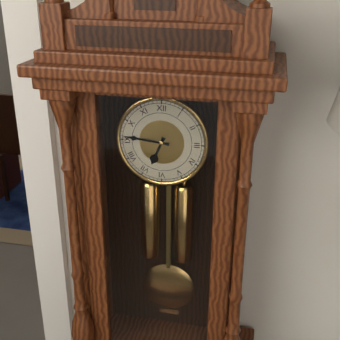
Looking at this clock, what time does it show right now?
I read 6:46
